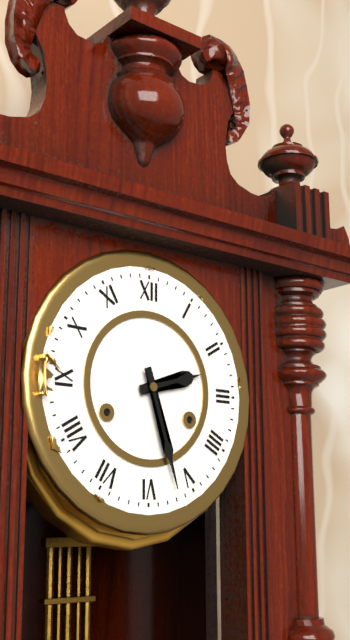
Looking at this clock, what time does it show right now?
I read 2:27
